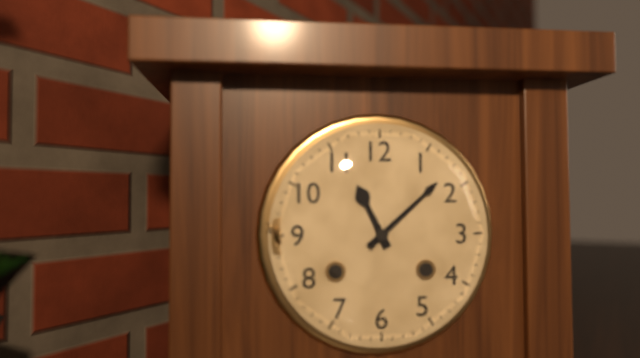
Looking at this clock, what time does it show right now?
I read 11:08
